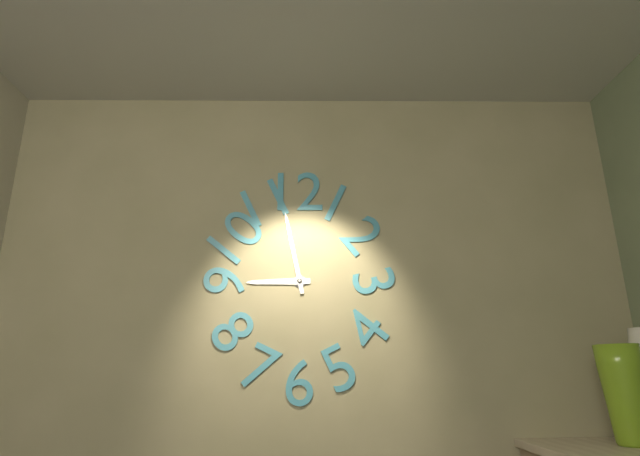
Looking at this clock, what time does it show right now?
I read 8:58
